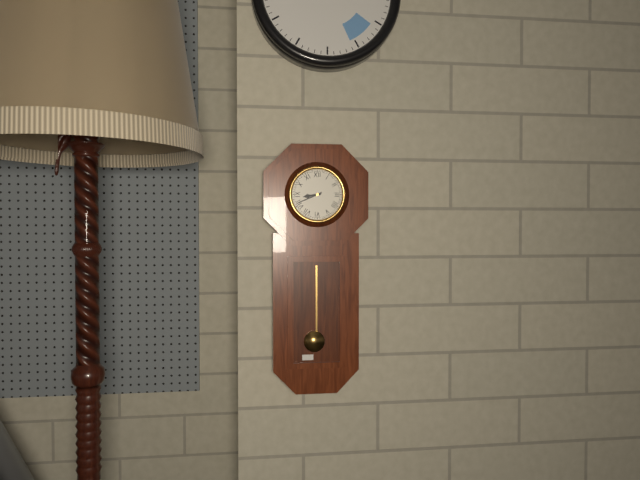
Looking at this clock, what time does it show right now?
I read 8:41
